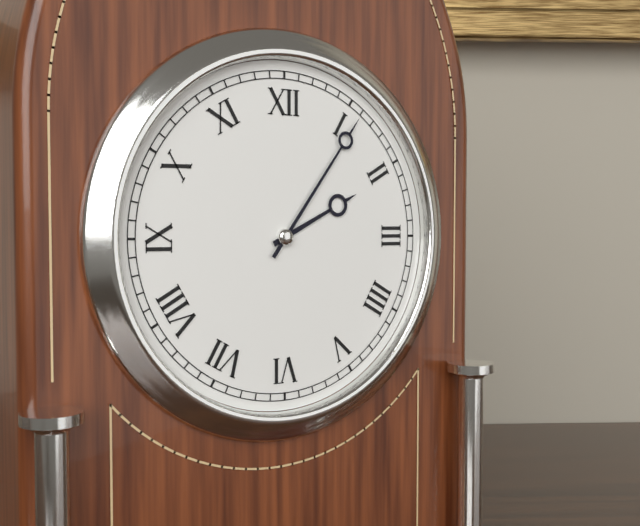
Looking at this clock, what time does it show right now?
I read 2:06
